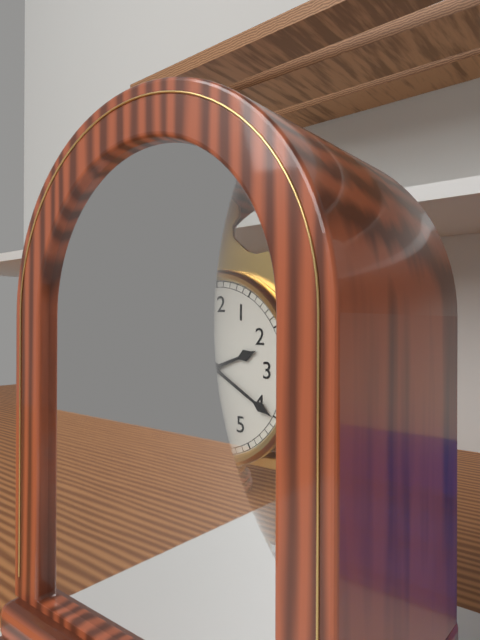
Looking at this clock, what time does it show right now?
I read 2:20
